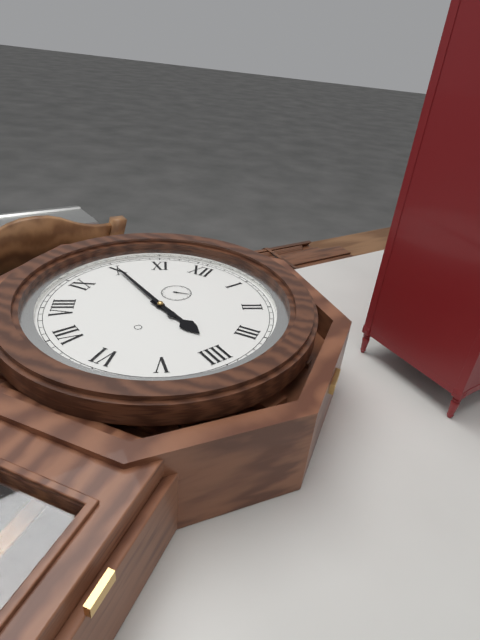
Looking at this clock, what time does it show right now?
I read 3:50
